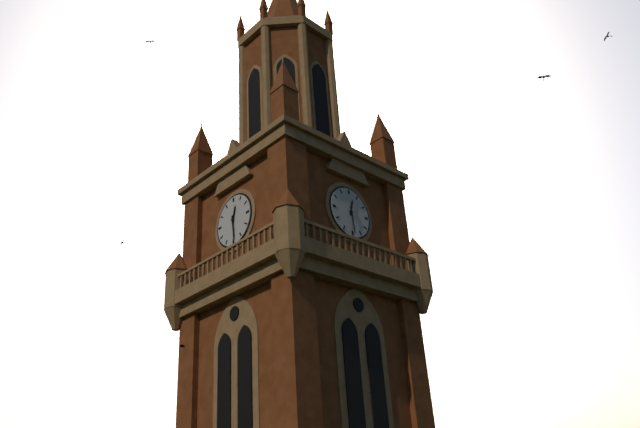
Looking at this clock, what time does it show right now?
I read 12:29
